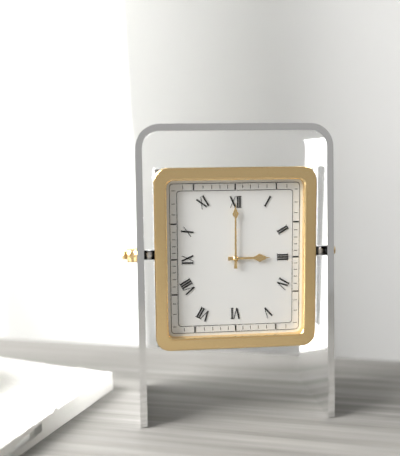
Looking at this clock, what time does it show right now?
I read 3:00
